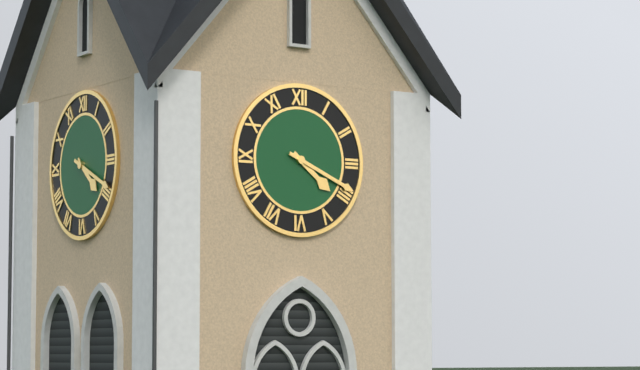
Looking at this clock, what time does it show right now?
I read 4:19
